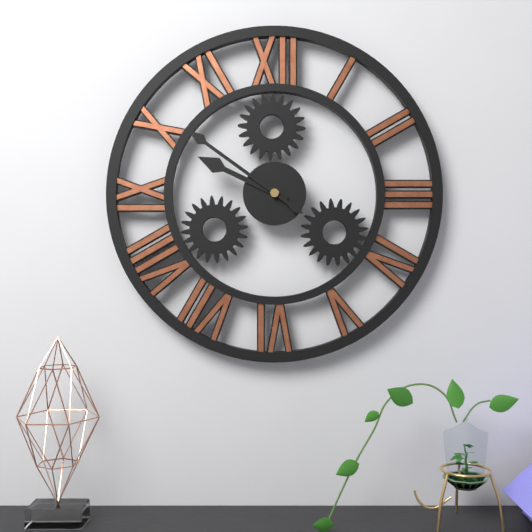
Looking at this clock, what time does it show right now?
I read 9:51
